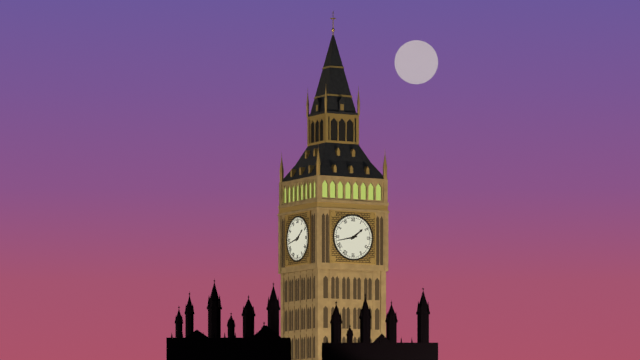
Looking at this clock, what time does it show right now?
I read 1:43
